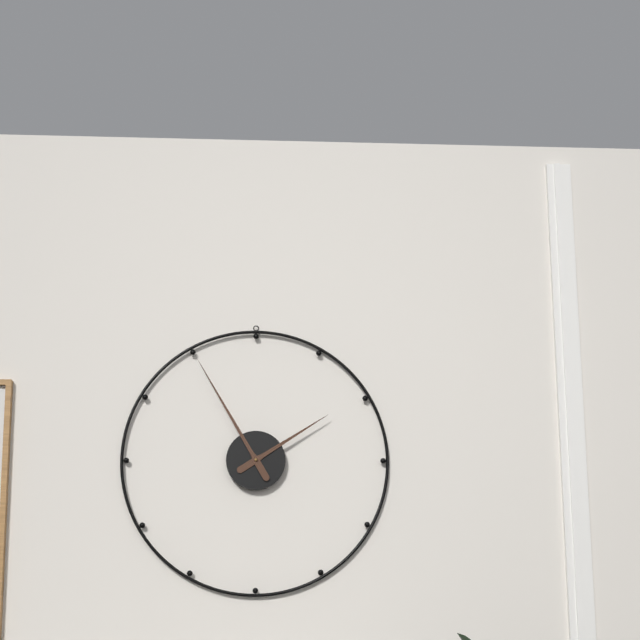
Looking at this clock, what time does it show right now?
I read 1:55
